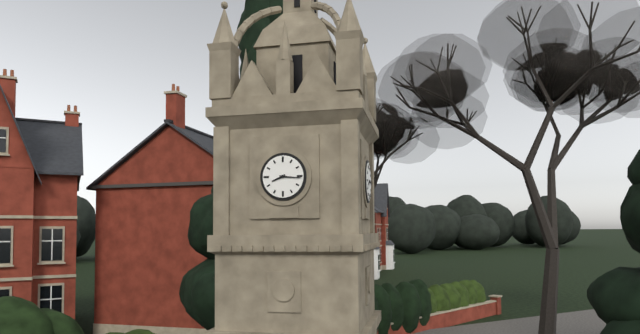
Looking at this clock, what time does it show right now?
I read 8:16
